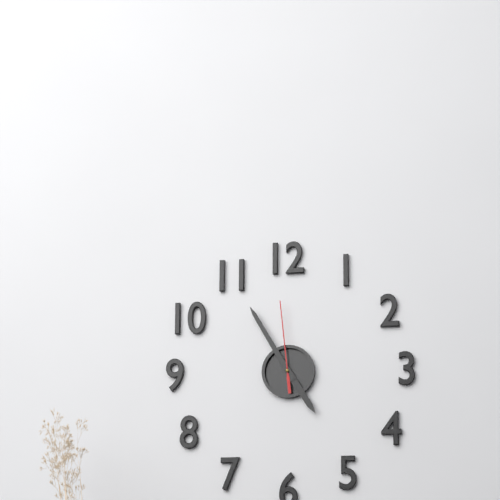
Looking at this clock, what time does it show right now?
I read 4:55:59
